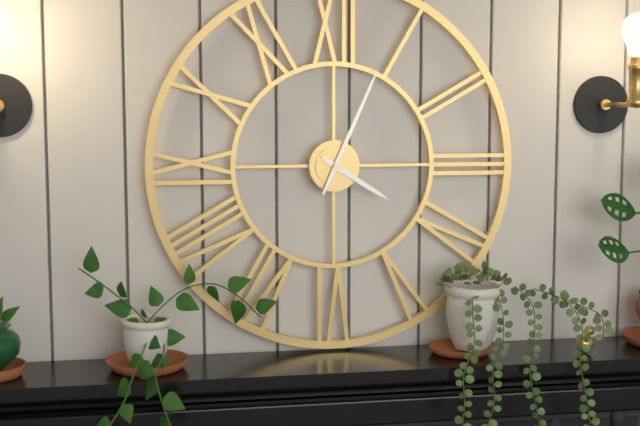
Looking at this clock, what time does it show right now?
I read 4:04
